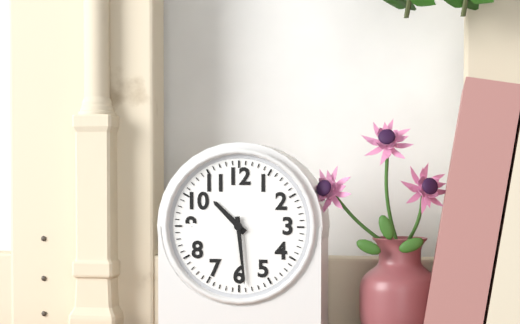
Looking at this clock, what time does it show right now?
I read 10:29
